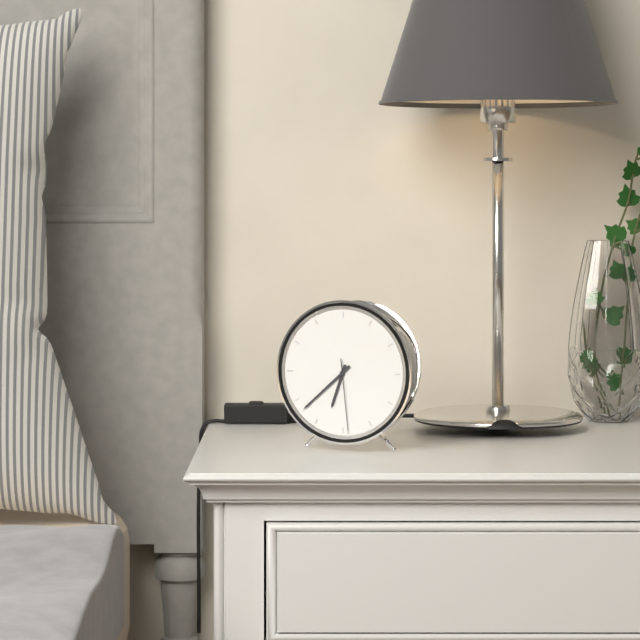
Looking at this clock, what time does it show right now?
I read 6:38:29
